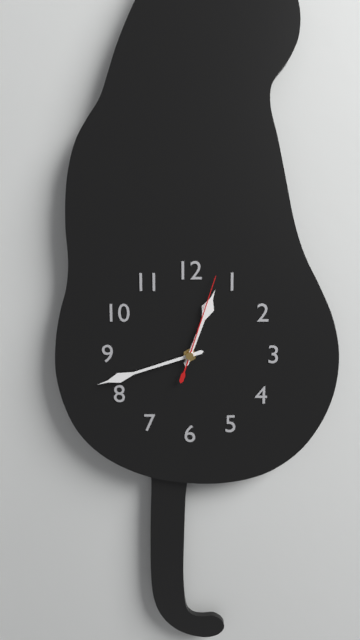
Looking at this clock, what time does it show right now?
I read 12:42:03
